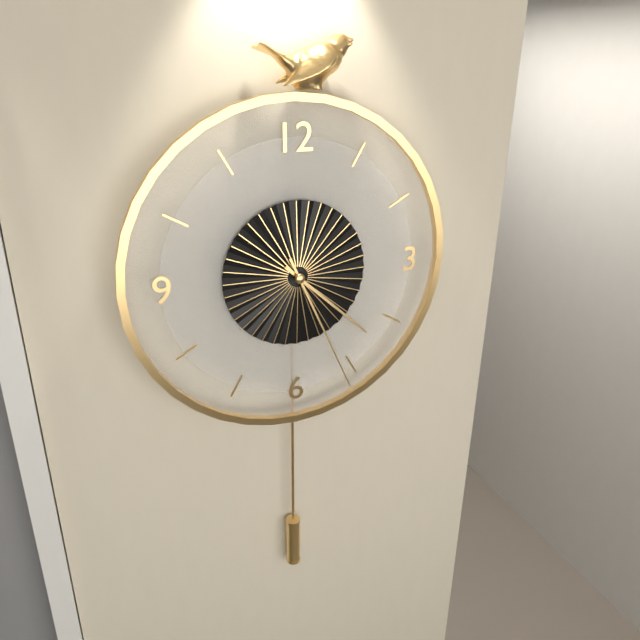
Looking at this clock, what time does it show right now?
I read 4:26
